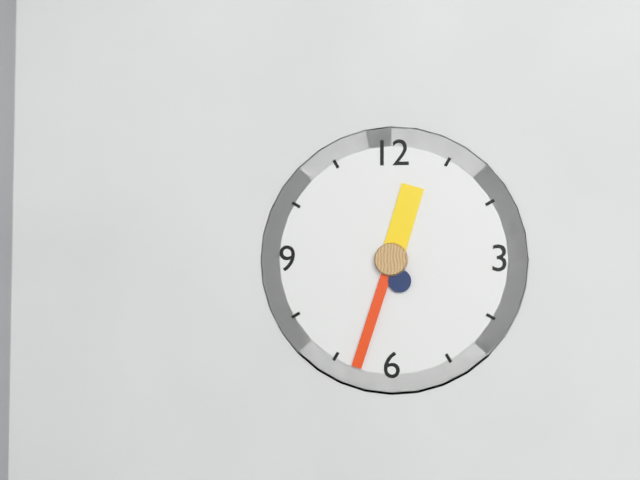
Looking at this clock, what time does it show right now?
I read 12:33
